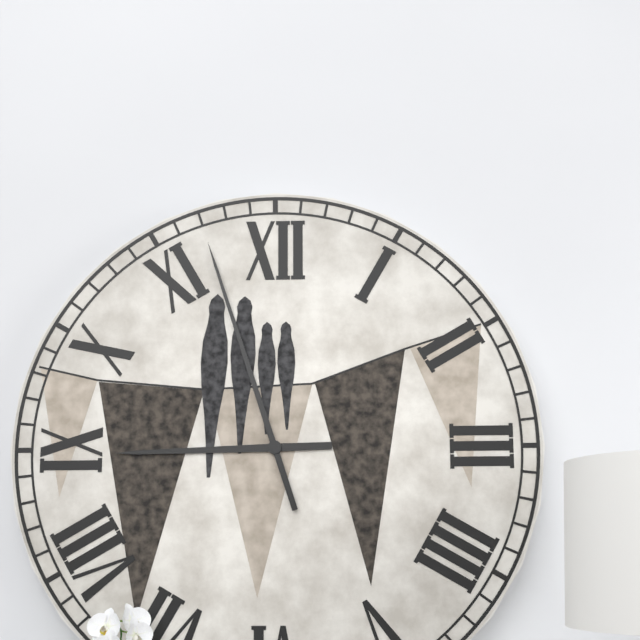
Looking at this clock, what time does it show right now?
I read 8:57
